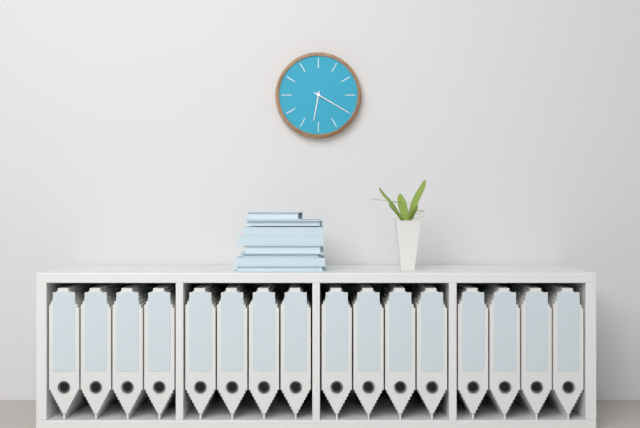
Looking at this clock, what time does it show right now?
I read 6:20
